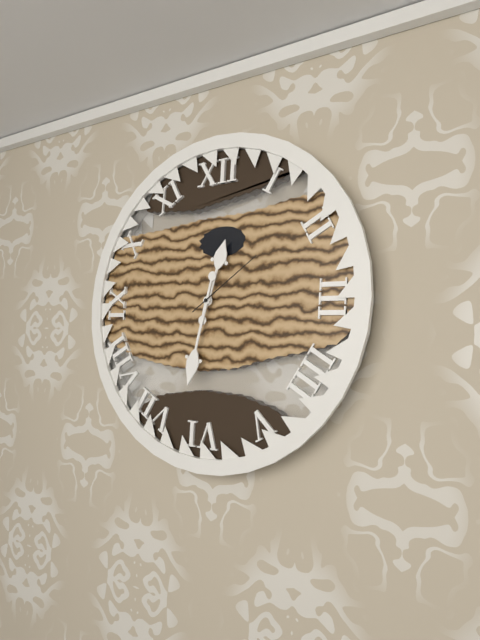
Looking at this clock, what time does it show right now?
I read 12:32:09
